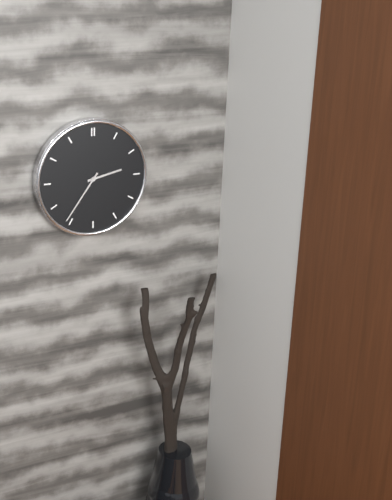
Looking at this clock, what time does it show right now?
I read 2:36
